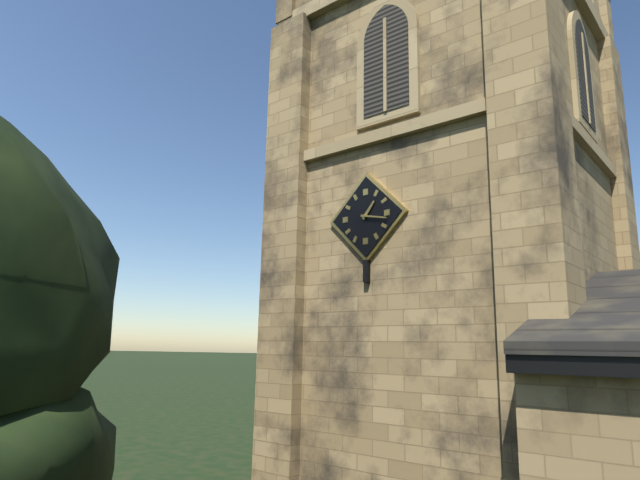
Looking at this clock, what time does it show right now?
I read 1:17
